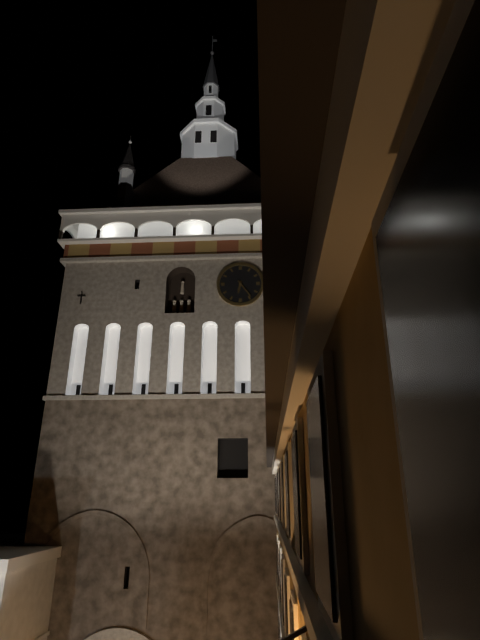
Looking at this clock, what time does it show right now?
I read 6:24
